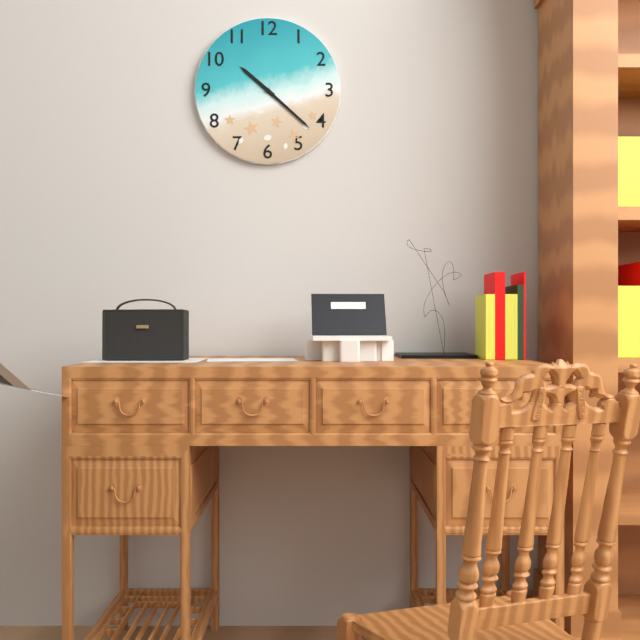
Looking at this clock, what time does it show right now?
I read 10:22
